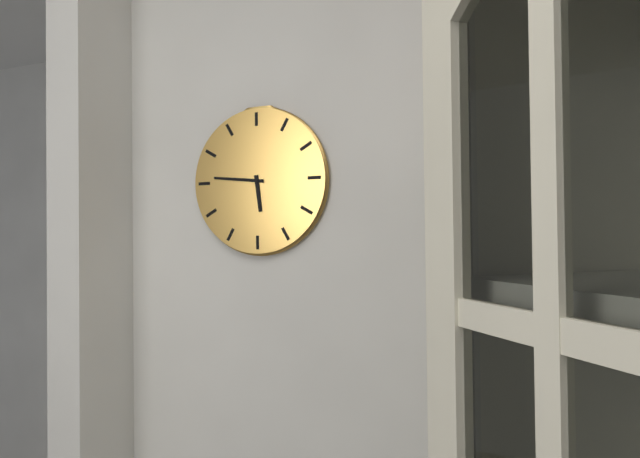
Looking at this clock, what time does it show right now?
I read 5:46
